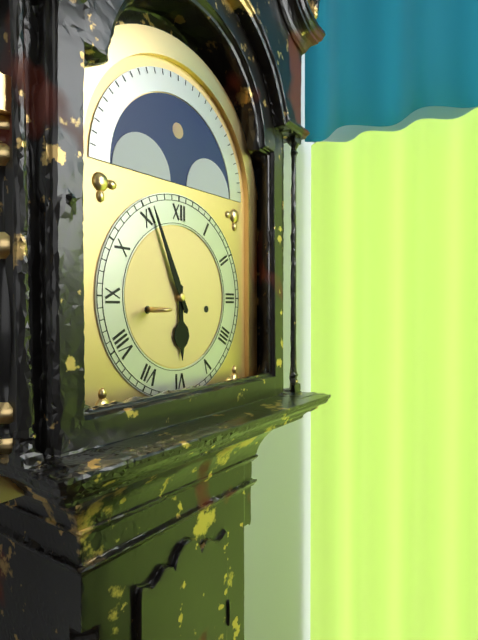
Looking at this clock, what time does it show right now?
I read 5:56
